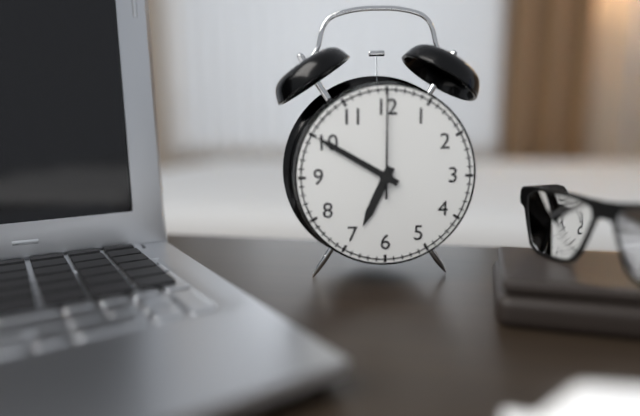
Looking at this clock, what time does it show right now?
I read 6:50:00
